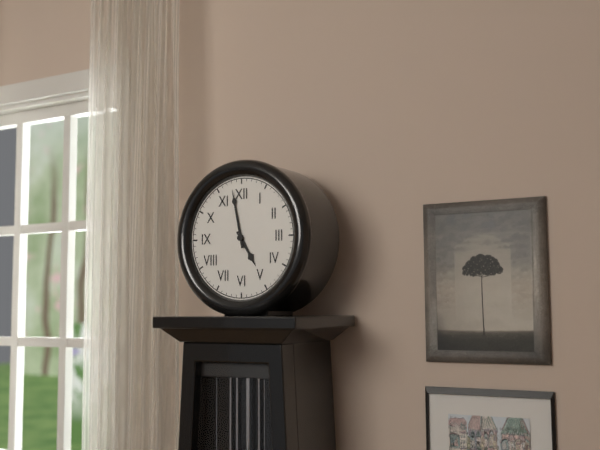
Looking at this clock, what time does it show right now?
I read 4:58
